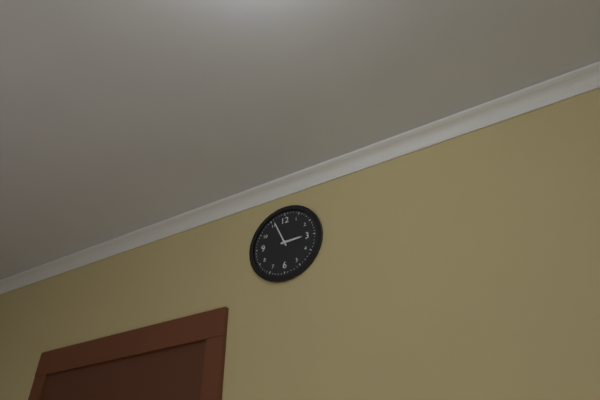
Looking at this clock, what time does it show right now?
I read 2:56
